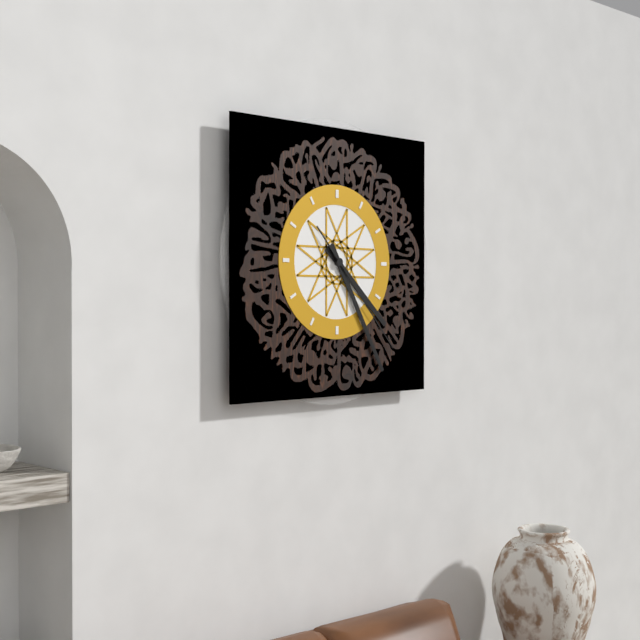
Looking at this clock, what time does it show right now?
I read 4:25:23
